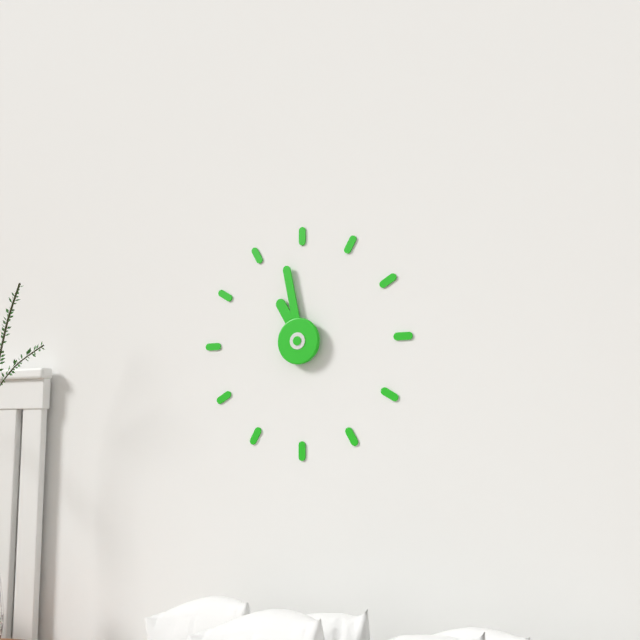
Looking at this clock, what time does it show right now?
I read 10:58
